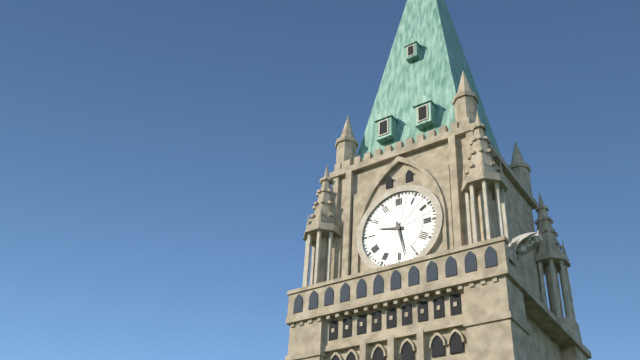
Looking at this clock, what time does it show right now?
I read 9:28
